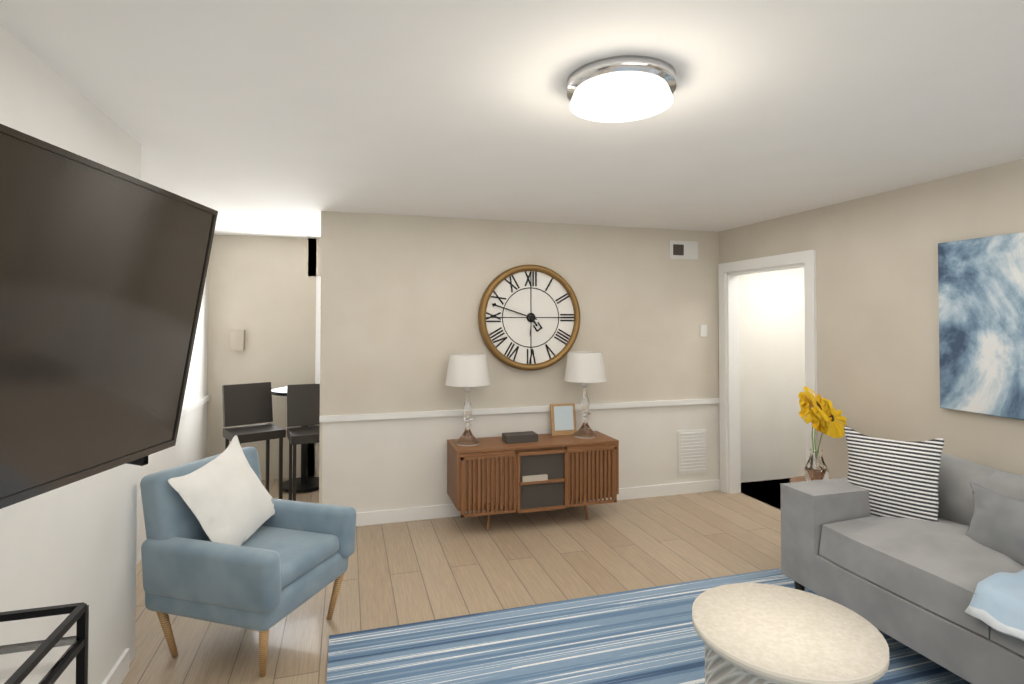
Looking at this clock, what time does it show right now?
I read 4:48
